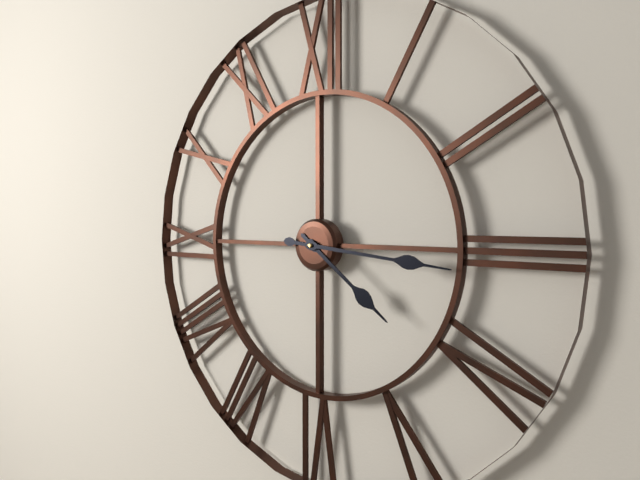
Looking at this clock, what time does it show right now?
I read 4:16
